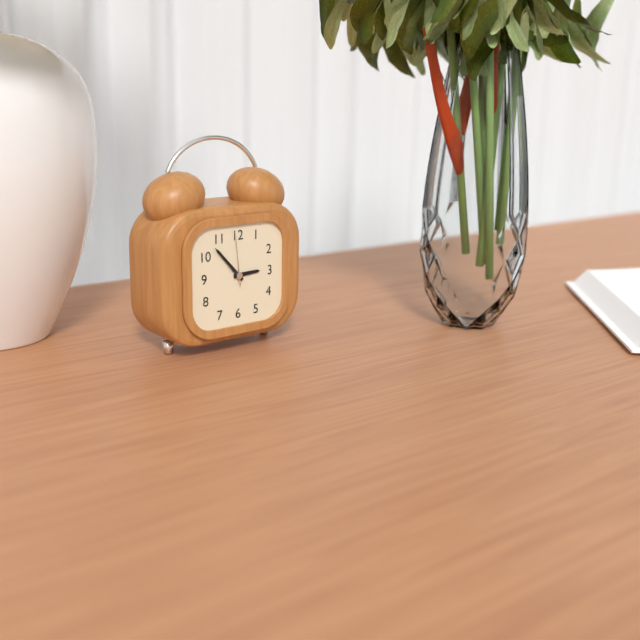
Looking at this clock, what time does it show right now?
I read 2:53:59
